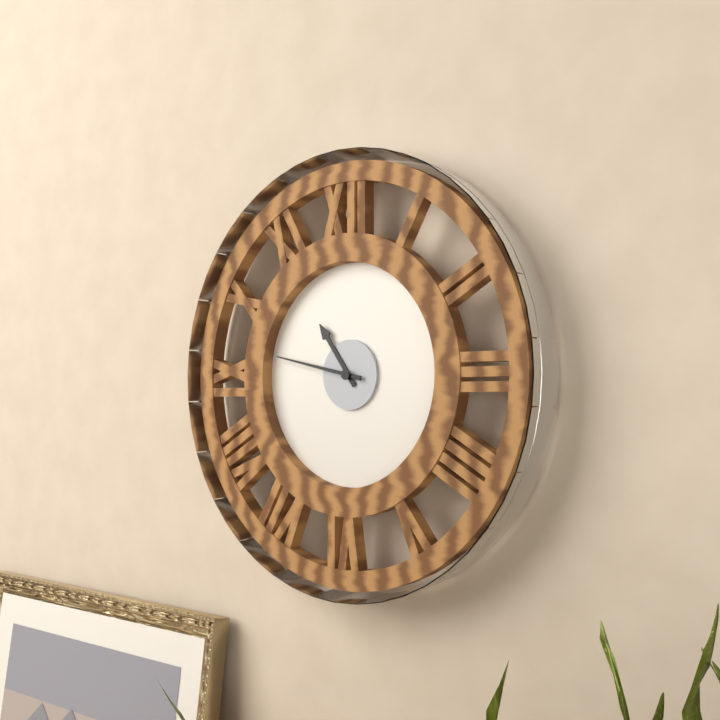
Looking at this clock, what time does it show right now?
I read 10:47
